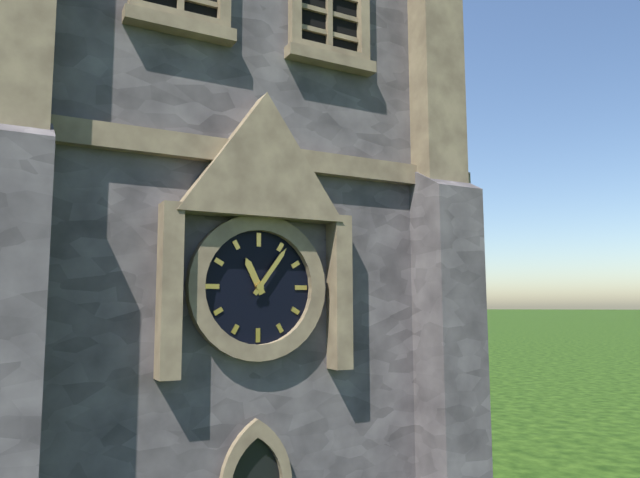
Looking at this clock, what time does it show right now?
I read 11:06
